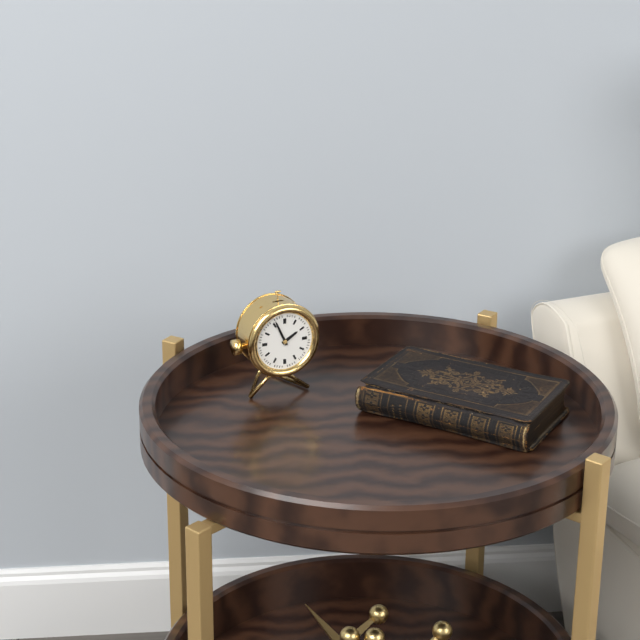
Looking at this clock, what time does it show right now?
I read 1:56
